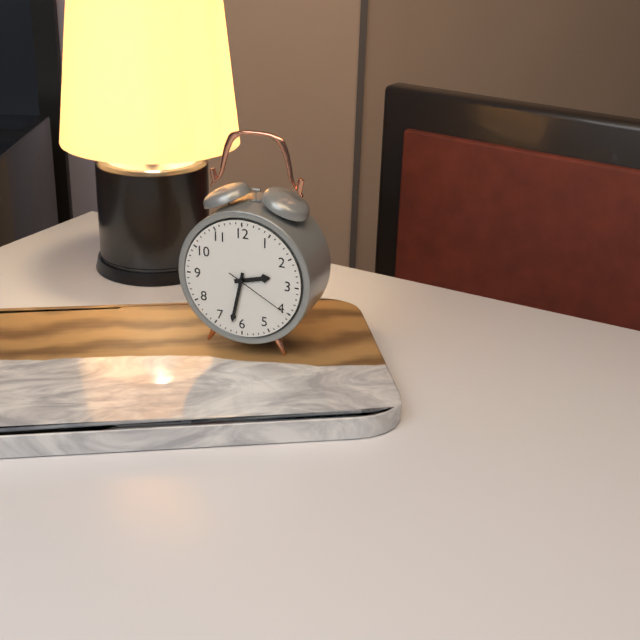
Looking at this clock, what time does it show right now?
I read 2:32:20
